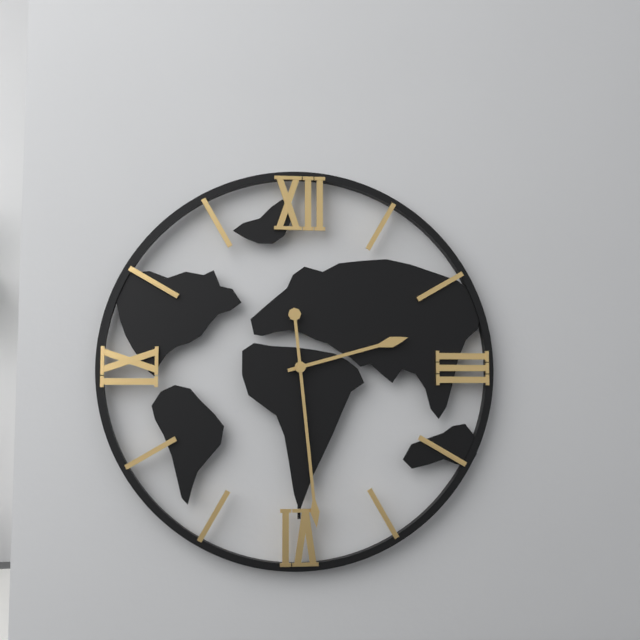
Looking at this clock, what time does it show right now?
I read 2:29
